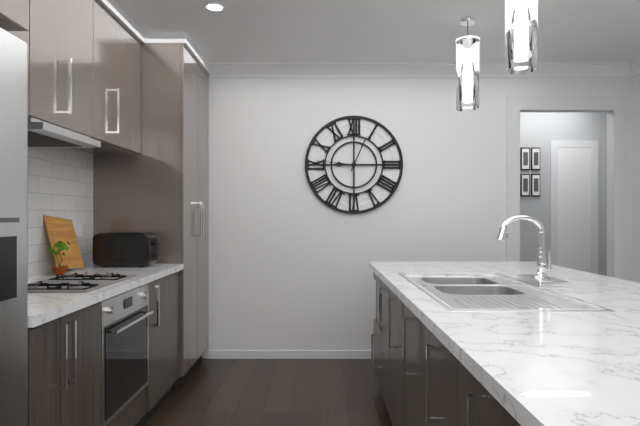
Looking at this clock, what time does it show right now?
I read 9:04
